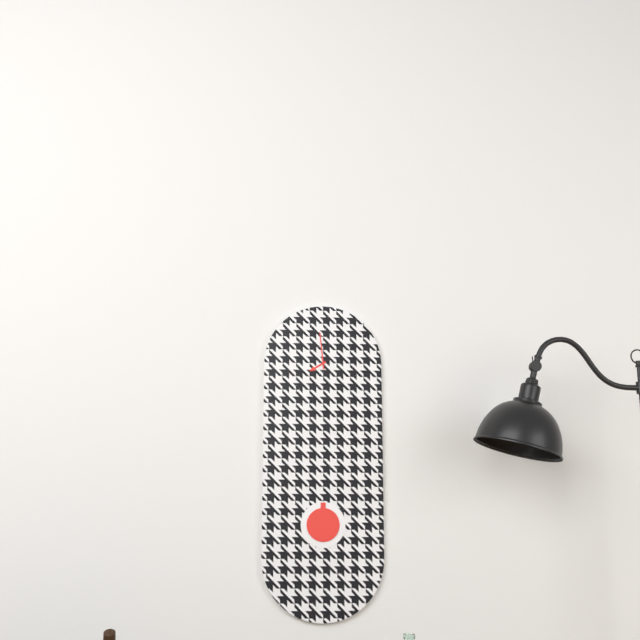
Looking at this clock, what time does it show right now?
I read 7:59
